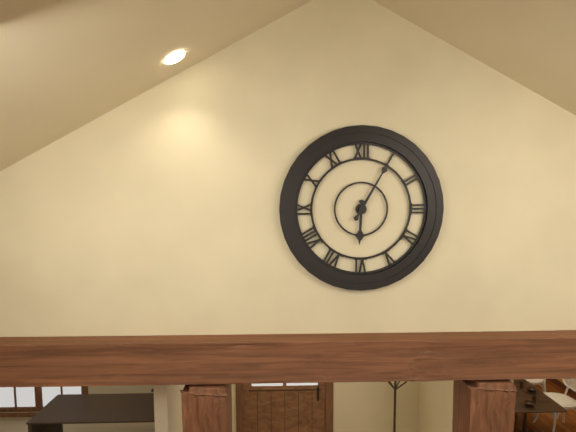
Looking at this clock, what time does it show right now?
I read 6:05
